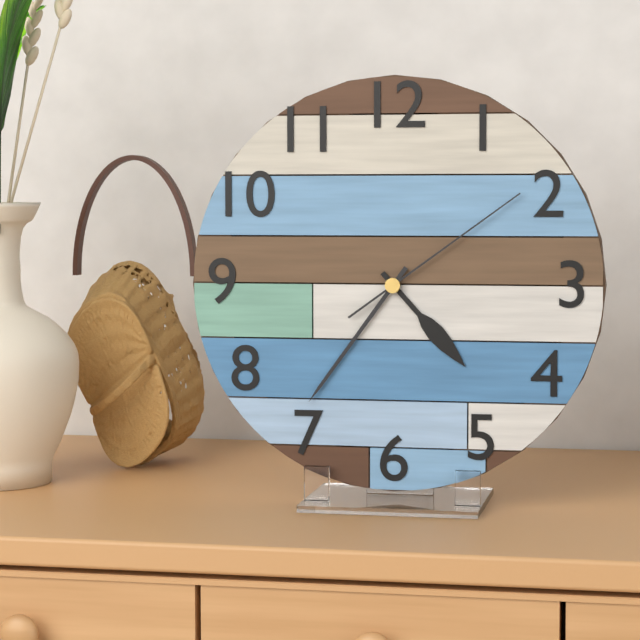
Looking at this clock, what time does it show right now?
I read 4:36:09
